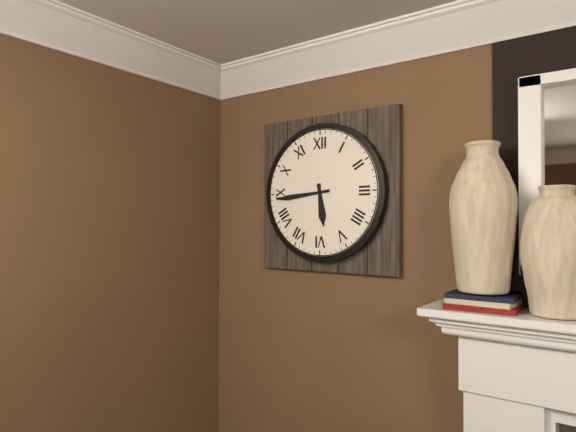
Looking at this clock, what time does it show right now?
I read 5:44
